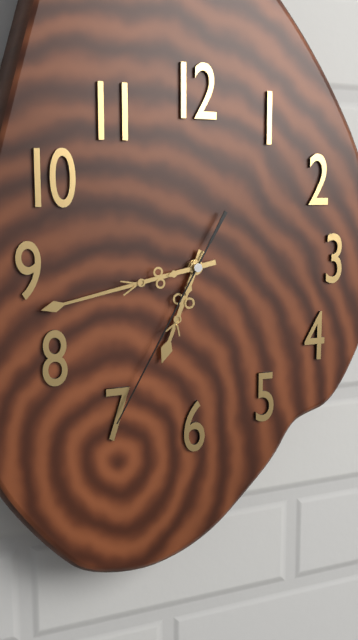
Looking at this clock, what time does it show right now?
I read 6:43:35
